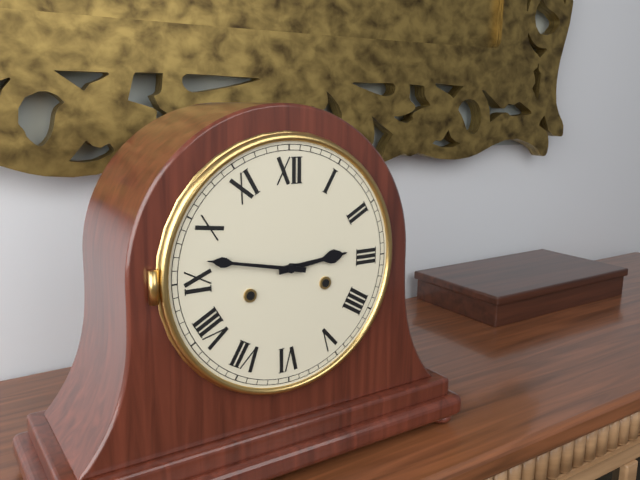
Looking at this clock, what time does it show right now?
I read 2:47
